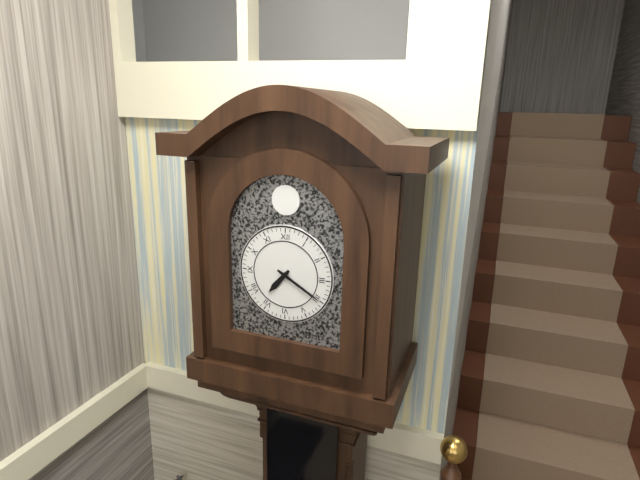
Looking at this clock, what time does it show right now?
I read 7:20
